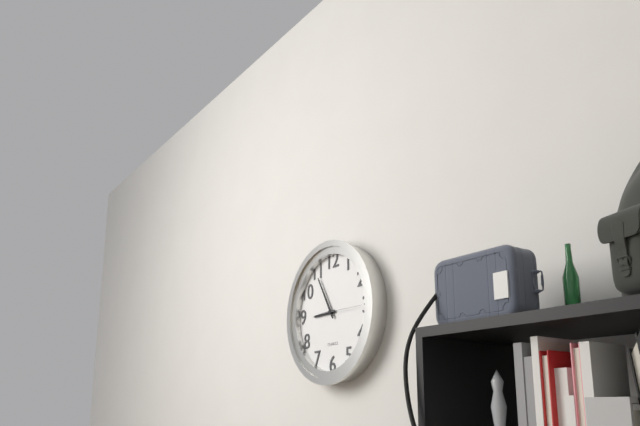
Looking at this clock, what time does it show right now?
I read 8:55
